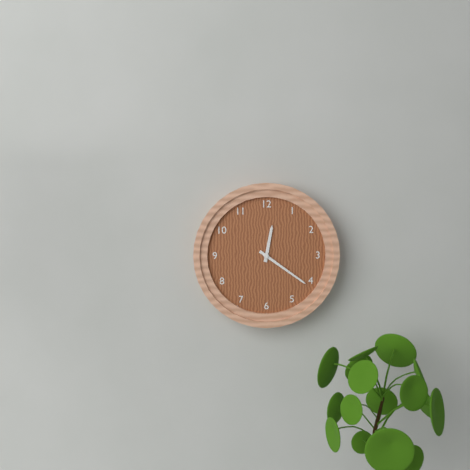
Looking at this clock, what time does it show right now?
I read 12:21
